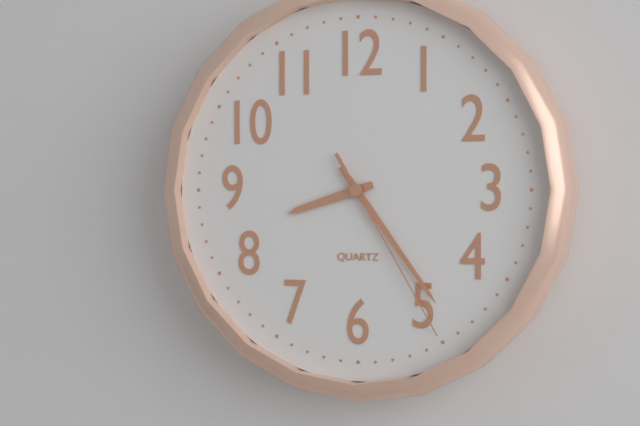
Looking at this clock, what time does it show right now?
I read 8:24:25
